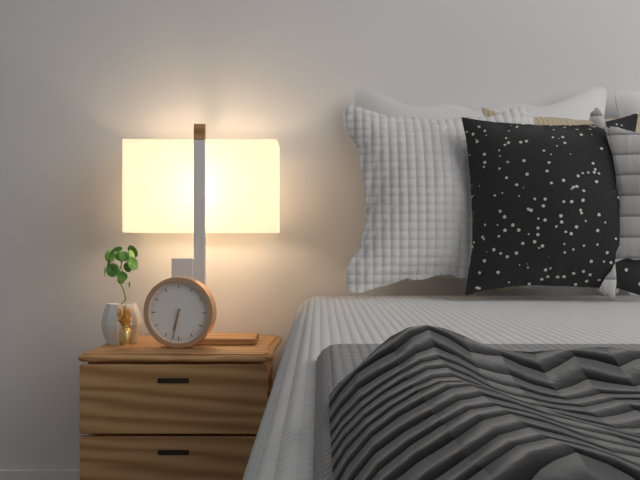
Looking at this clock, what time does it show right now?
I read 6:32
